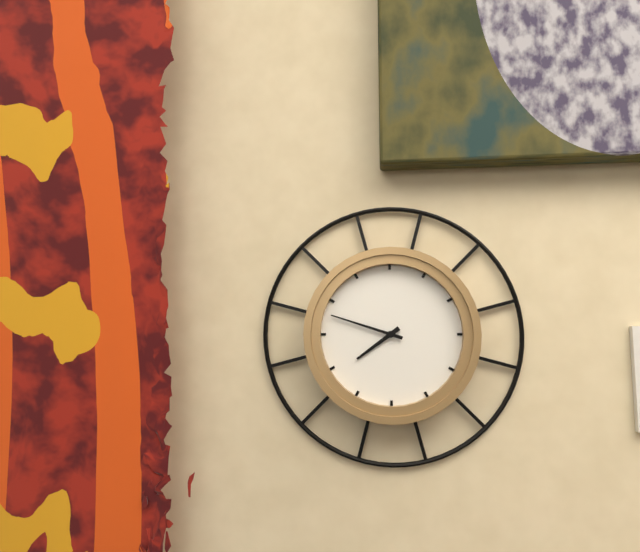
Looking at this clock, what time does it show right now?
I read 7:48
